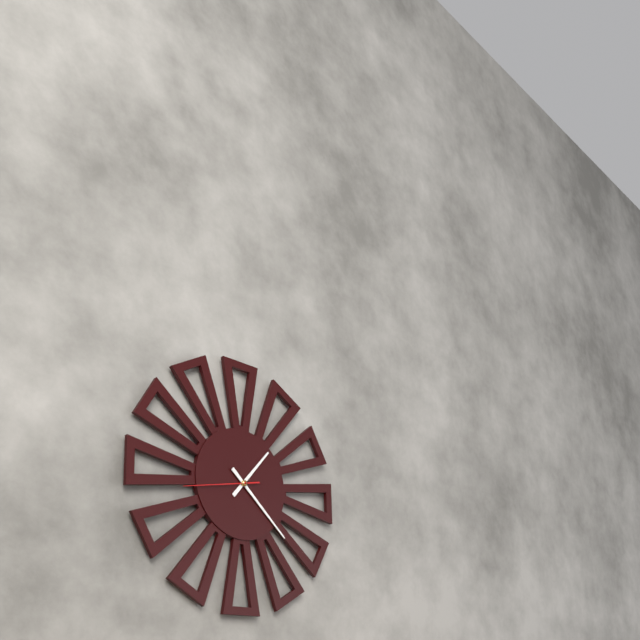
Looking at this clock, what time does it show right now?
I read 1:22:43
